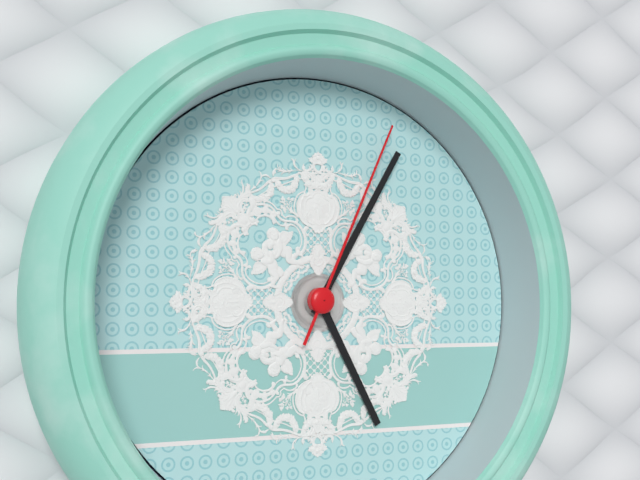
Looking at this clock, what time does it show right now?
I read 5:05:04
